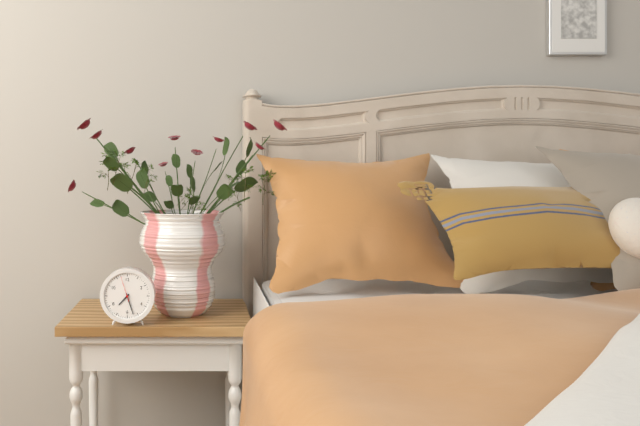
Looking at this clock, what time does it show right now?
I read 7:27
